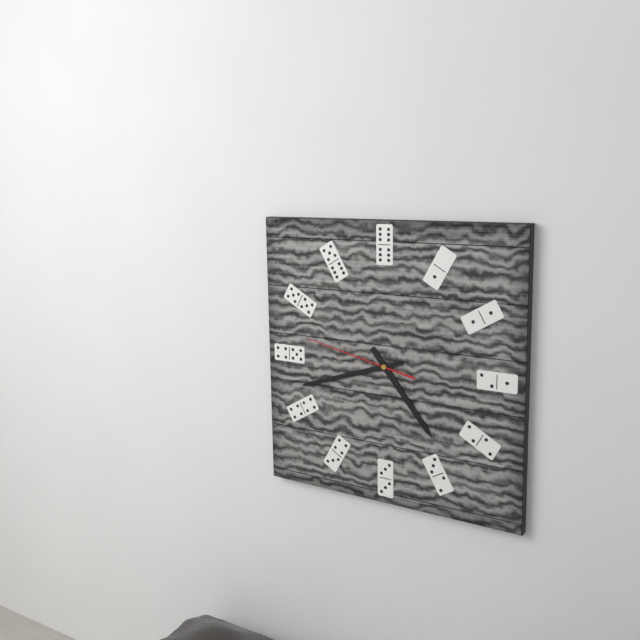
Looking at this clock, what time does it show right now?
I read 4:42:47
